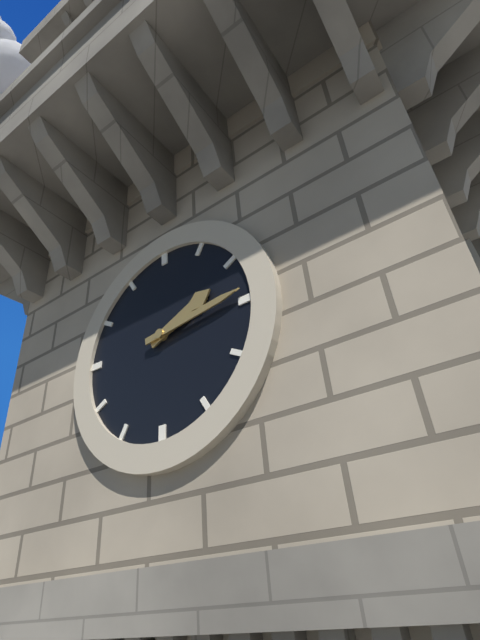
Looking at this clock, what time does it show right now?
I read 2:14
